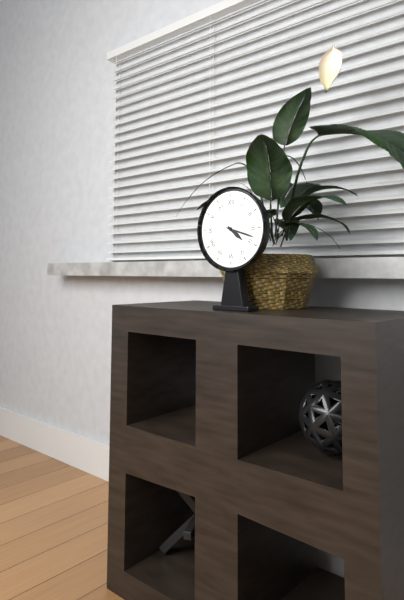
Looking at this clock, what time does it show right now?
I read 4:18
